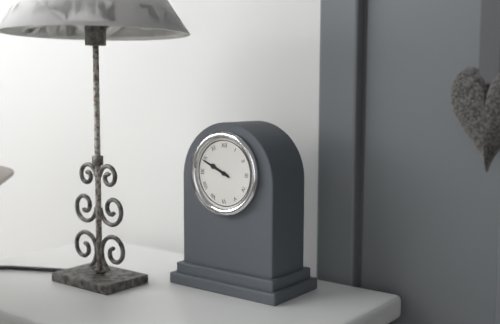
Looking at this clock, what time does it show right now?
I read 9:49
